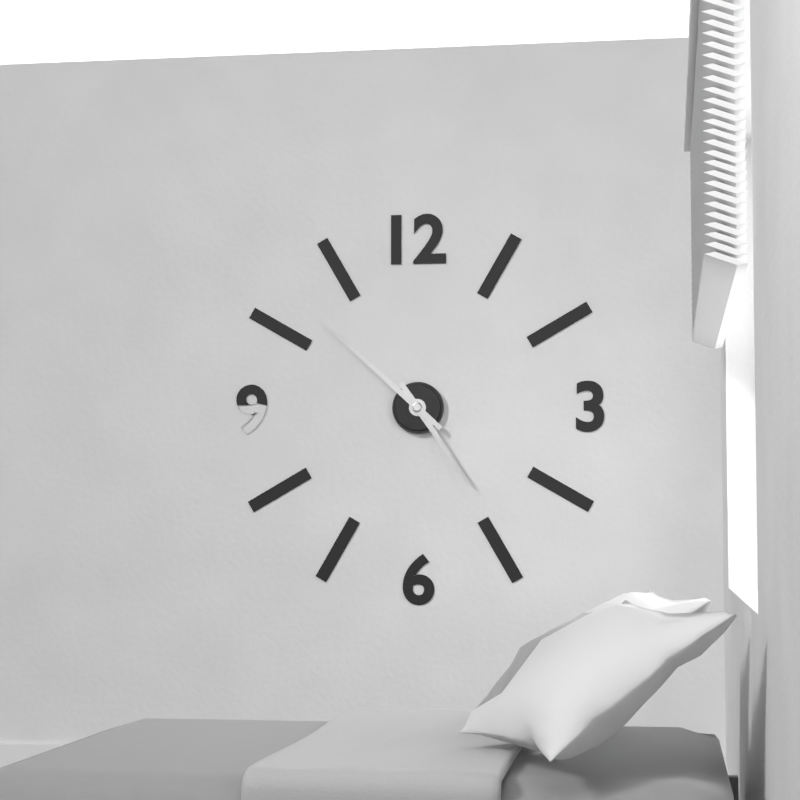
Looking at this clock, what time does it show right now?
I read 4:52
